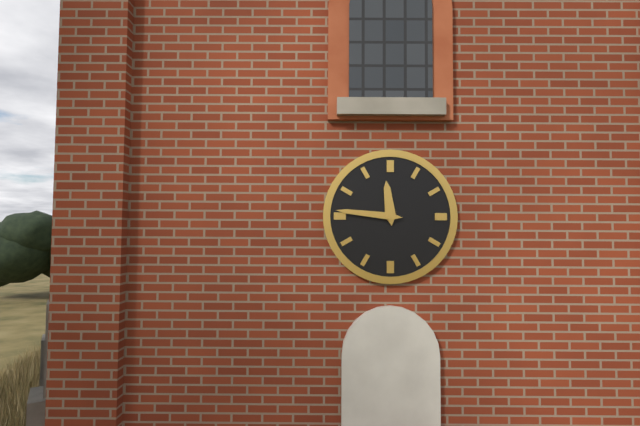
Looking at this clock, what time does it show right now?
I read 11:46
